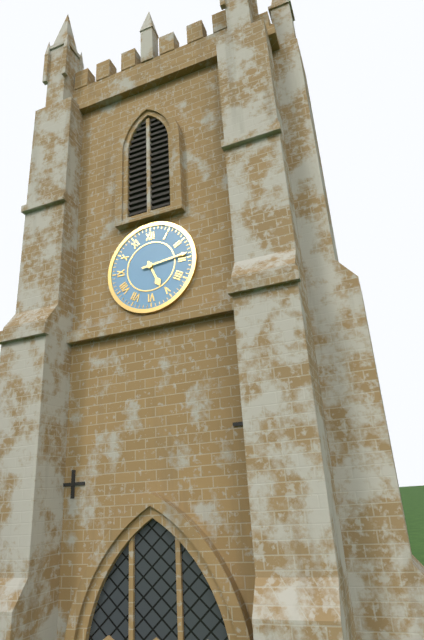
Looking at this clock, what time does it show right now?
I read 5:14
